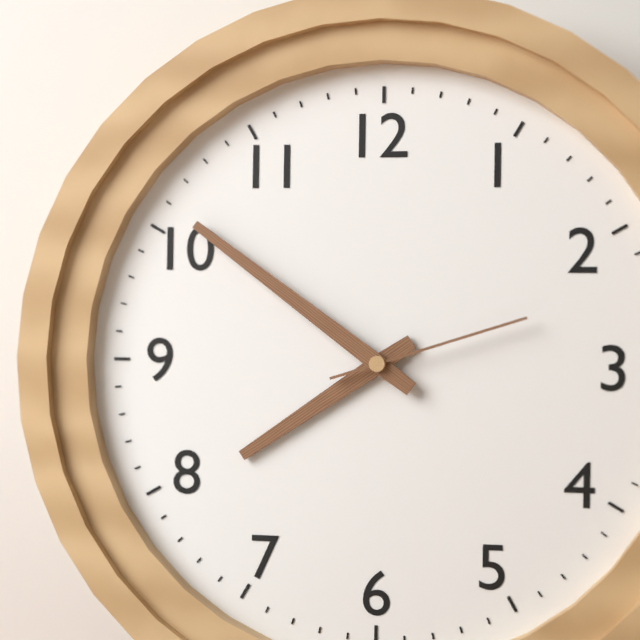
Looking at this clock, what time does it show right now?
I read 7:51:12
